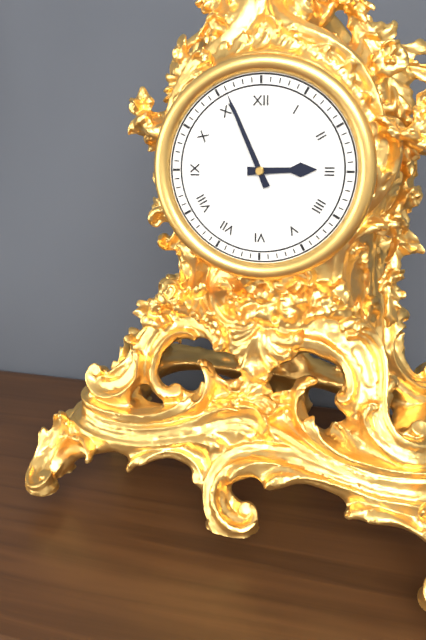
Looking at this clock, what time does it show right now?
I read 2:56
